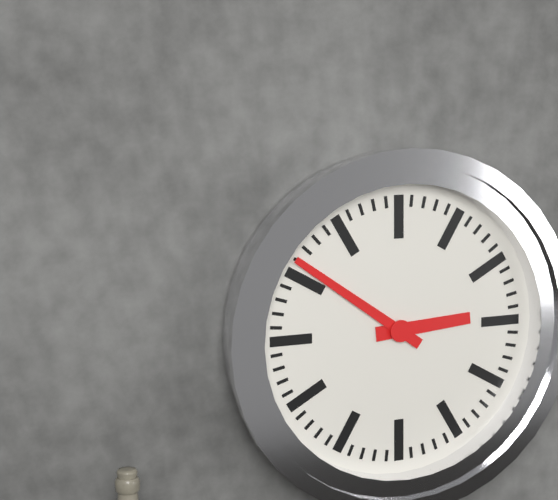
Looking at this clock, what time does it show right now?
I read 2:51
